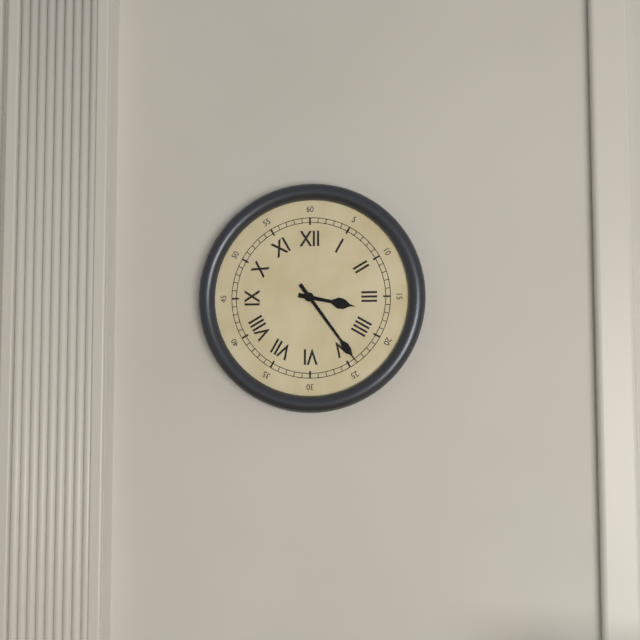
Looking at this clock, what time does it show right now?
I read 3:24
